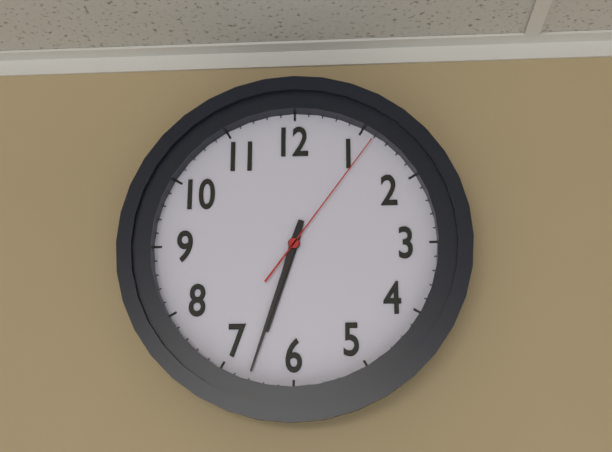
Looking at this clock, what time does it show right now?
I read 6:33:06
